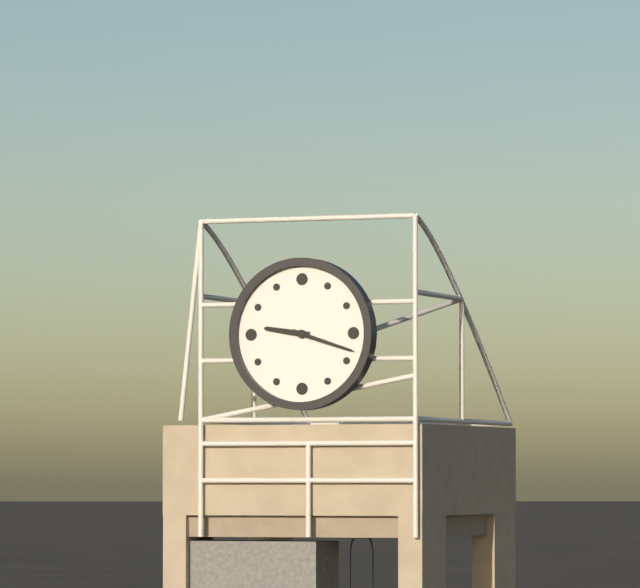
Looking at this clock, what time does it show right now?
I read 9:18
